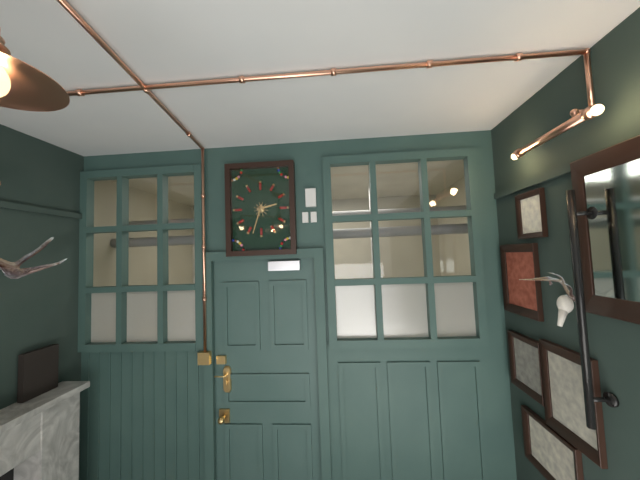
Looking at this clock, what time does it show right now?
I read 2:33
